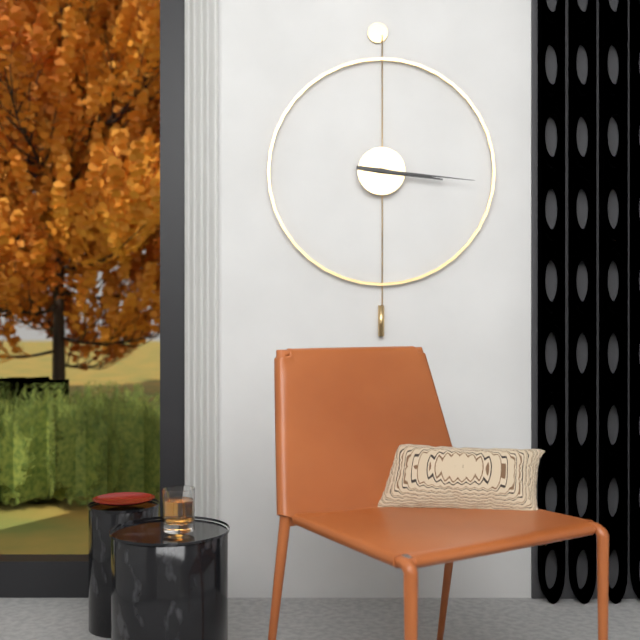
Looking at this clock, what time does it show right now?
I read 3:16
